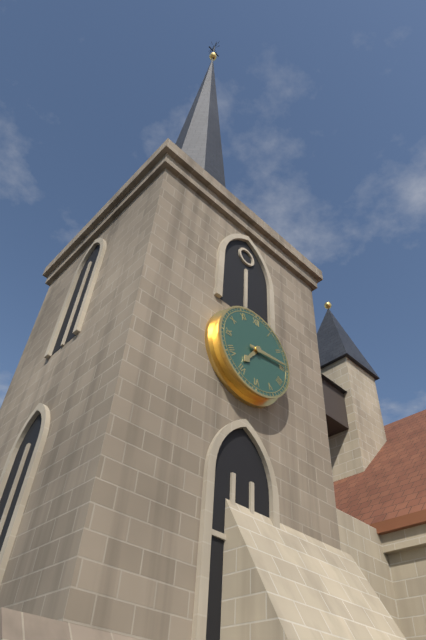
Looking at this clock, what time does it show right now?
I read 7:14
